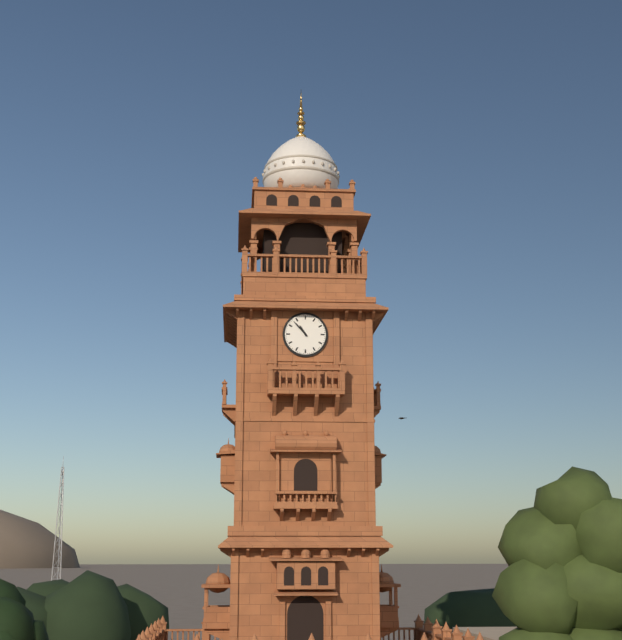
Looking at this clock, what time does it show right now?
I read 10:53
